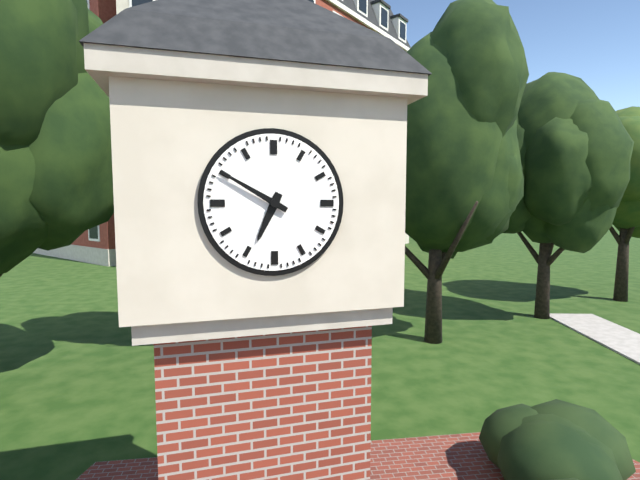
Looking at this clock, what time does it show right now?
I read 6:50
